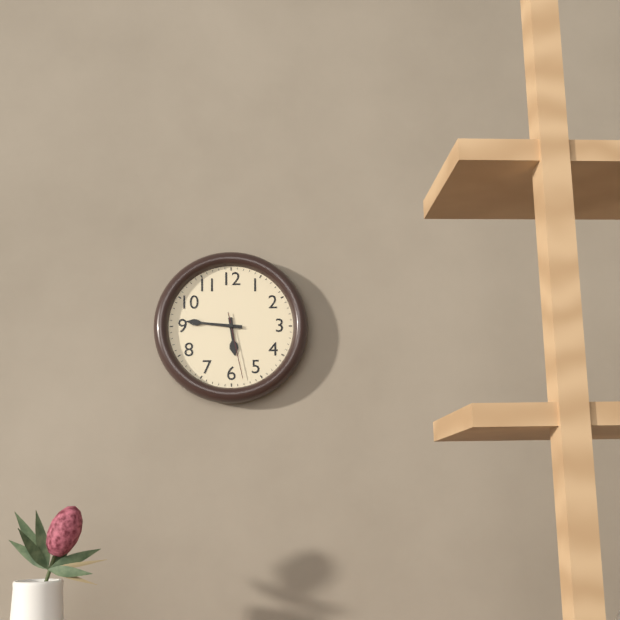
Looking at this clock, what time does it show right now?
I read 5:46:28
